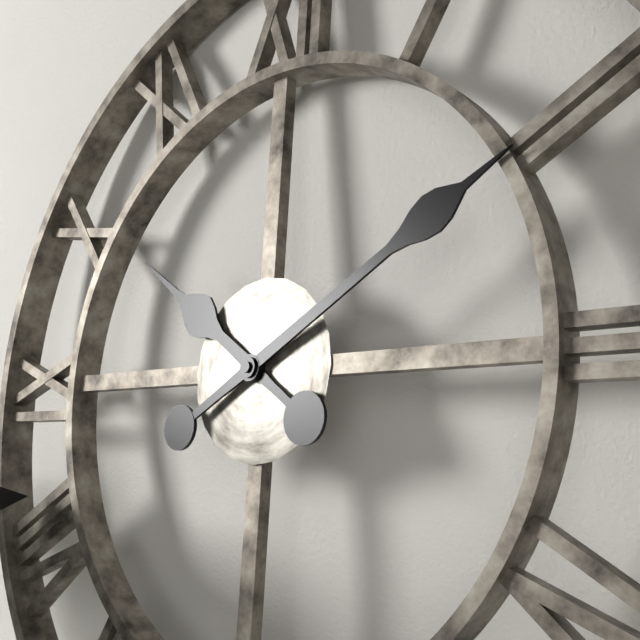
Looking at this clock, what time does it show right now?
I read 10:10
